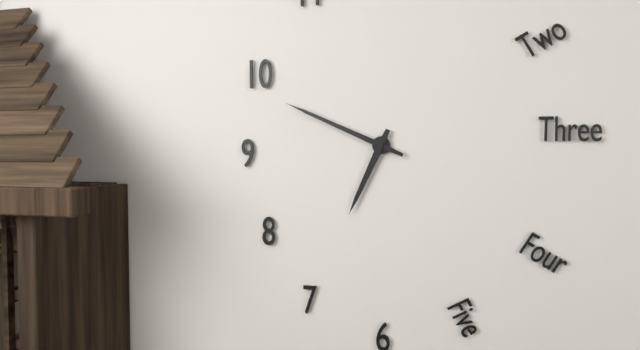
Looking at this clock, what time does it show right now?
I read 6:49
